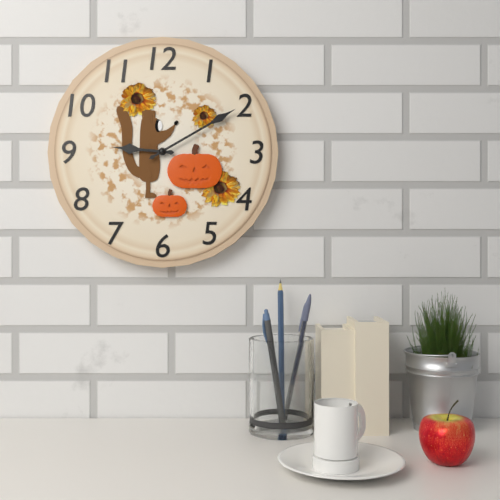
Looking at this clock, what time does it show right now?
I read 9:10
